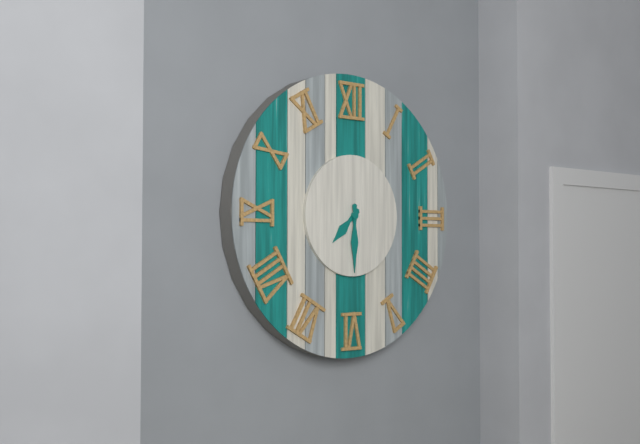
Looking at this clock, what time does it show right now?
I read 7:30
